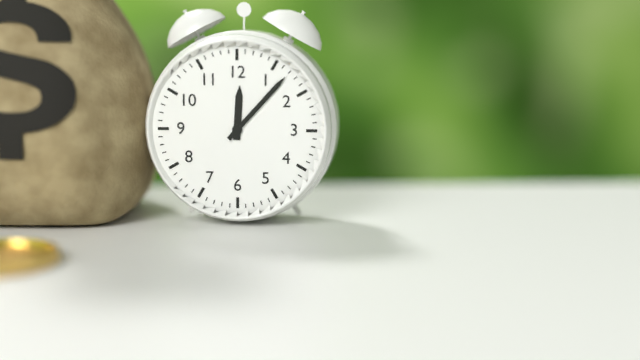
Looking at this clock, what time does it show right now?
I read 12:07
